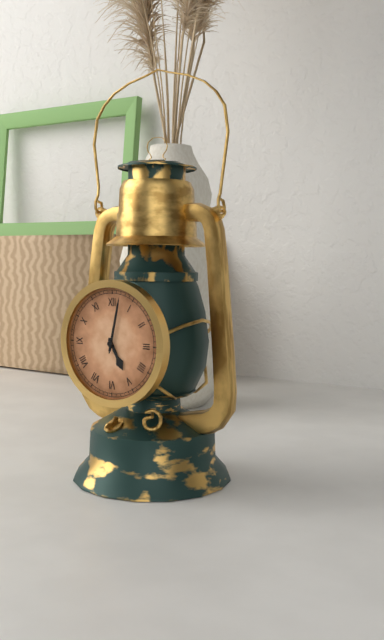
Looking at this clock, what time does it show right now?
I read 5:02
